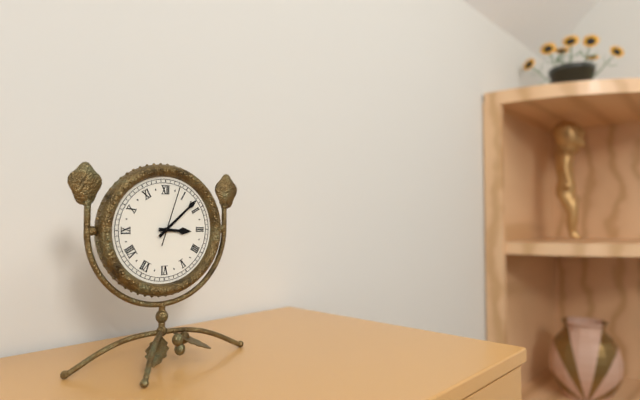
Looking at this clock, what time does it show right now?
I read 3:08:03
